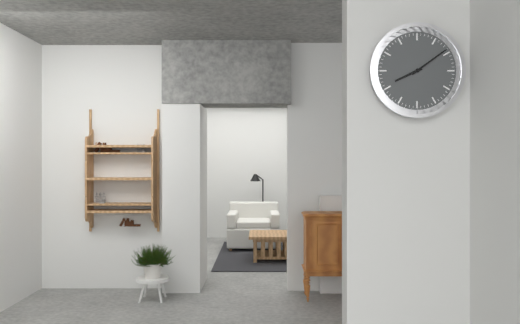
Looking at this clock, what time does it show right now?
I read 8:09
